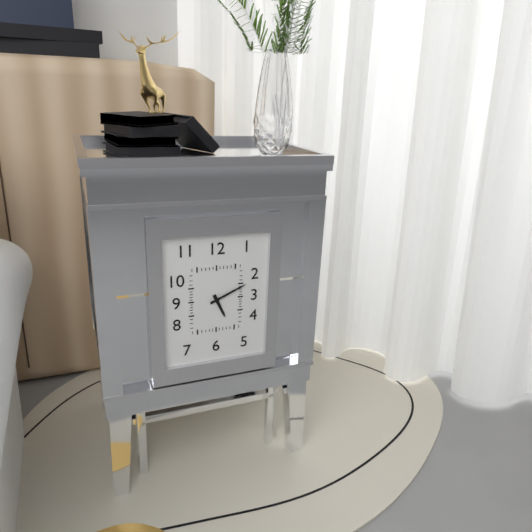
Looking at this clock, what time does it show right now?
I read 5:11
